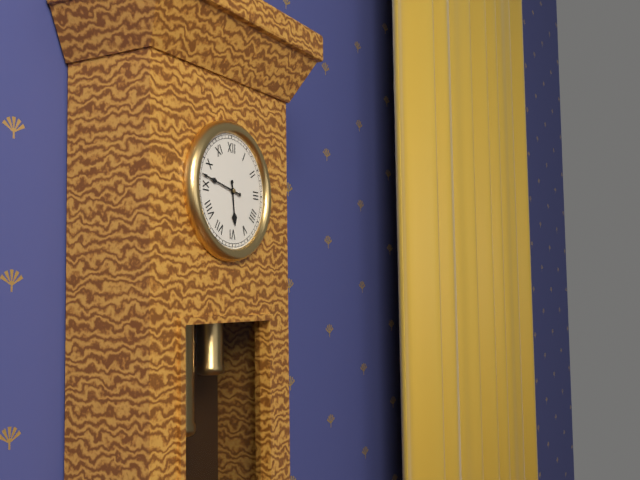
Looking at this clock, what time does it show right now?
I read 5:47
